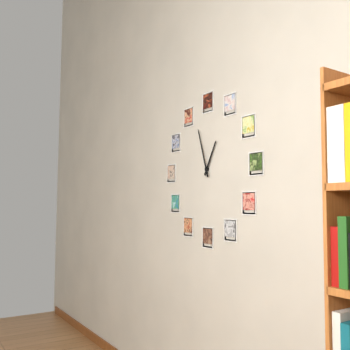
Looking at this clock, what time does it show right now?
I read 12:57
